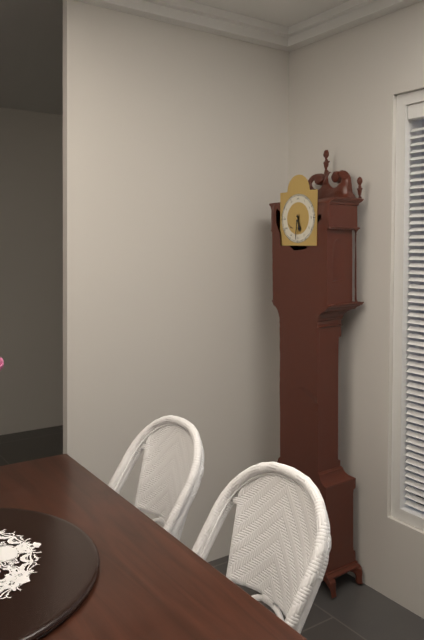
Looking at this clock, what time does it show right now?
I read 5:31
